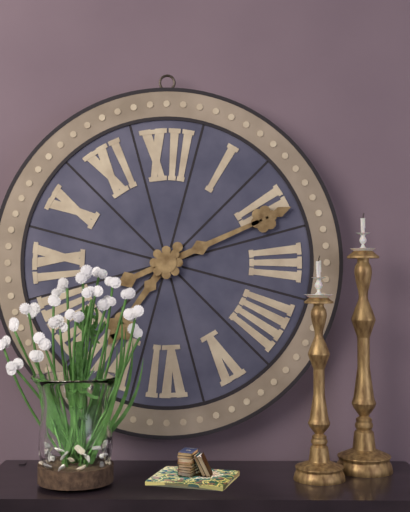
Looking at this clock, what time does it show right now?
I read 7:11
